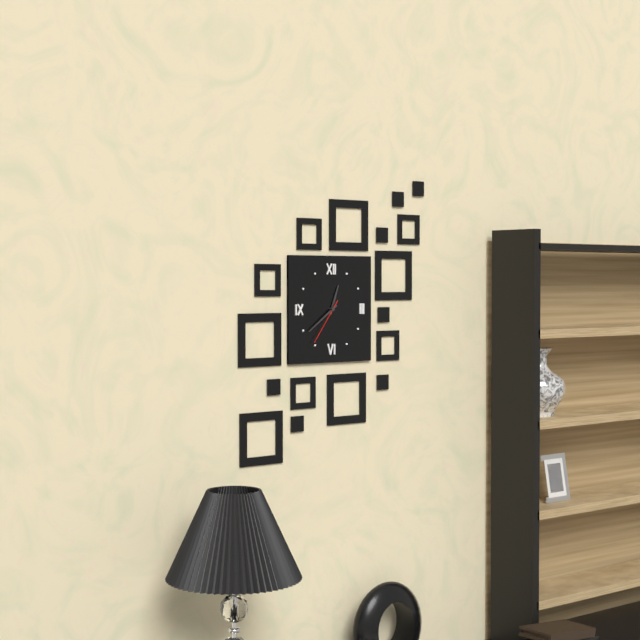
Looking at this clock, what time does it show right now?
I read 12:39
